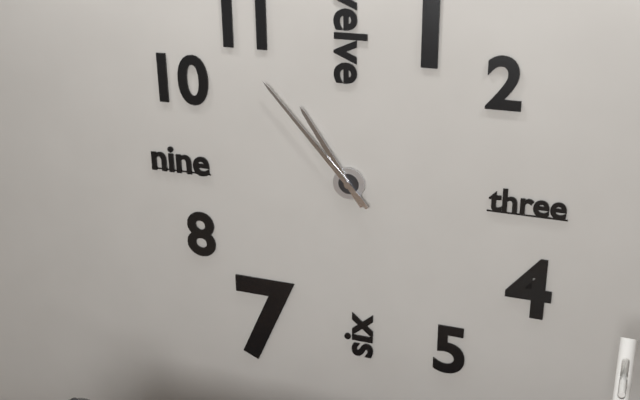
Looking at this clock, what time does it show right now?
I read 10:53
